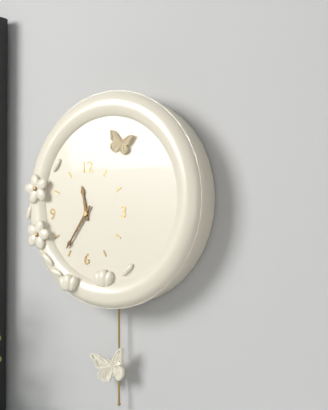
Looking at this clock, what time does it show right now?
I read 11:36
